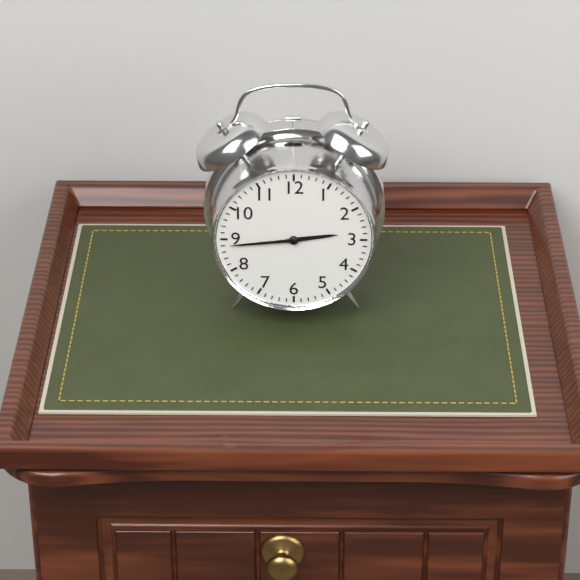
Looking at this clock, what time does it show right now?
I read 2:44
